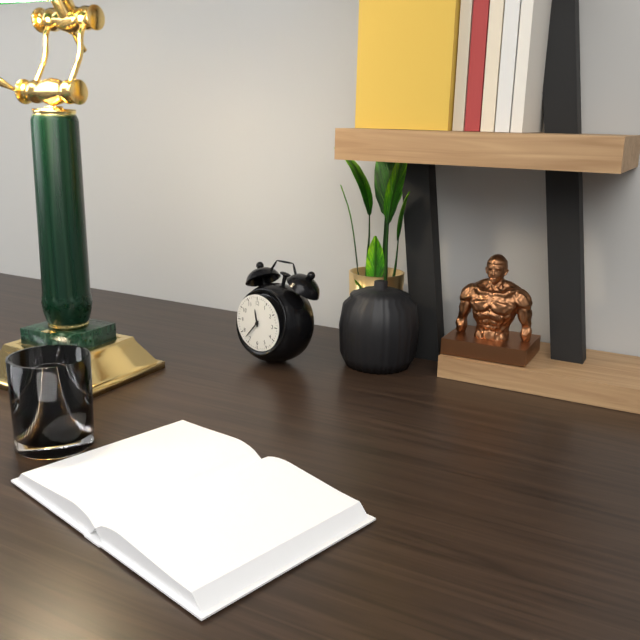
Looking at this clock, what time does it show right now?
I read 11:37
